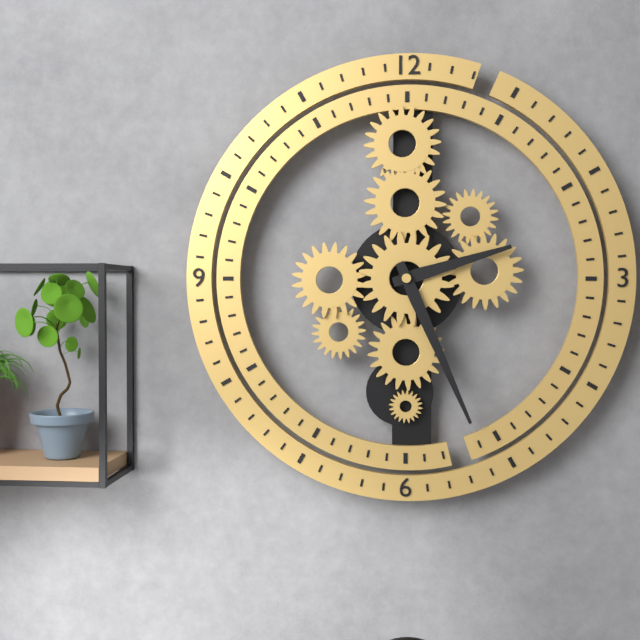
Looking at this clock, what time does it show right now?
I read 2:26
